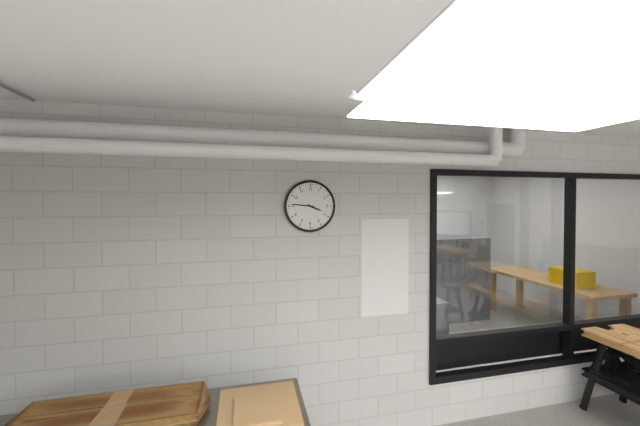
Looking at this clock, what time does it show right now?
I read 3:46
